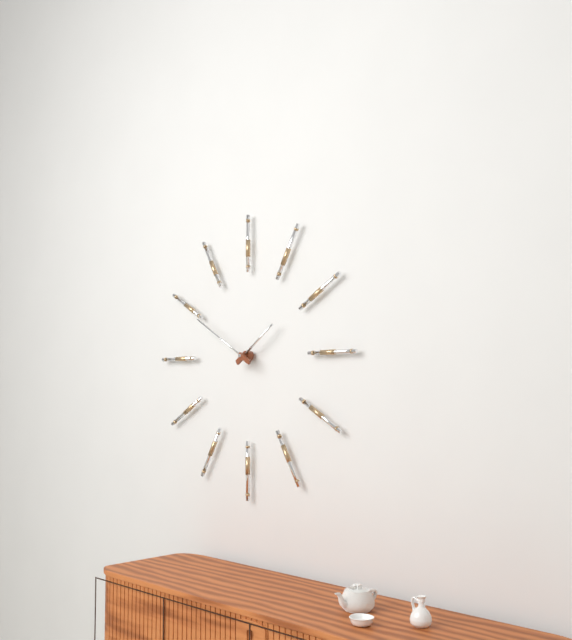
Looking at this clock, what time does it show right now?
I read 1:50
